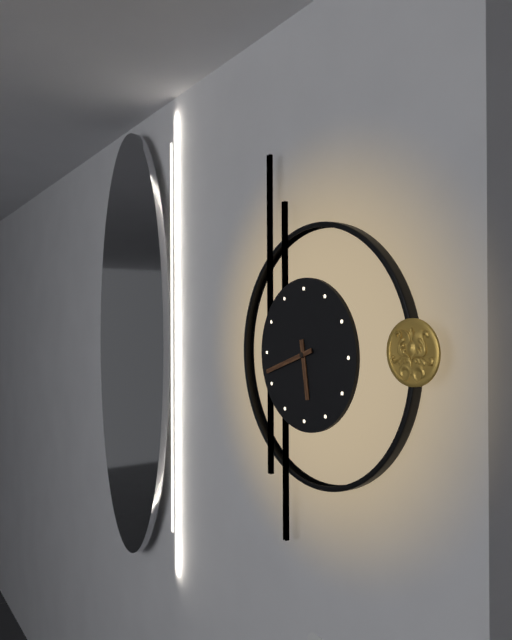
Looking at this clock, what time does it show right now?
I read 5:42
